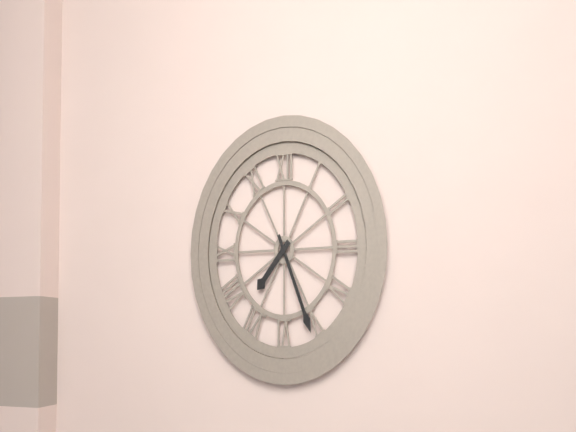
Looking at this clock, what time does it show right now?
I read 7:26
